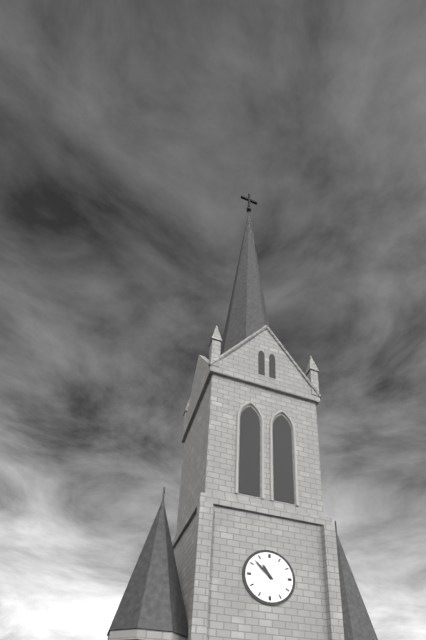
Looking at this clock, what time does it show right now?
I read 10:52
